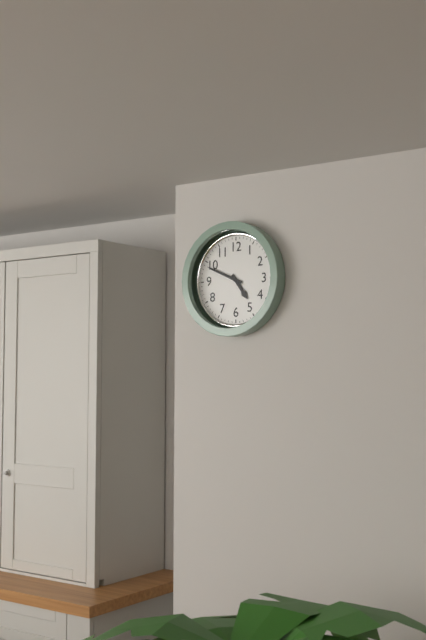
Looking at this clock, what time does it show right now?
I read 4:49
